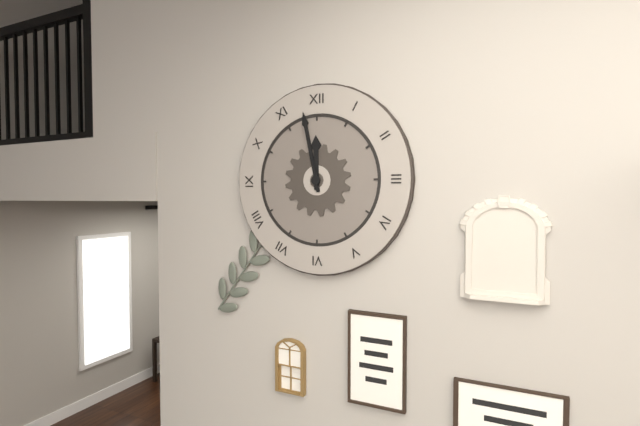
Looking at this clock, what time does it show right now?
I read 11:58
